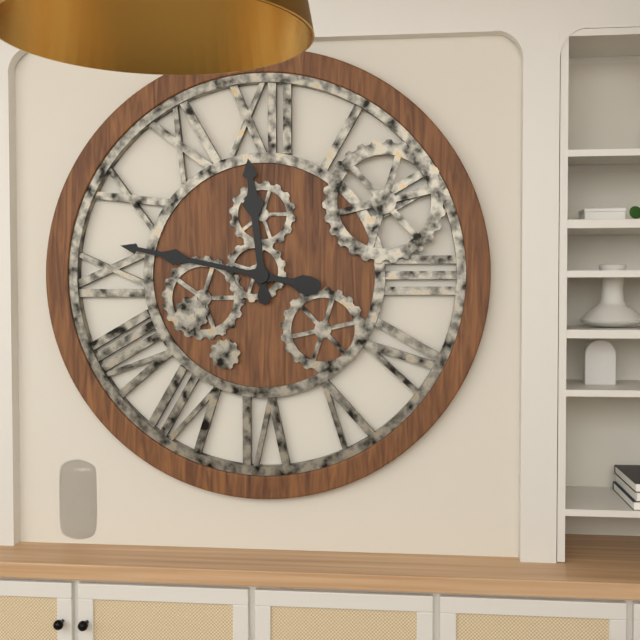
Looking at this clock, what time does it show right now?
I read 11:47
